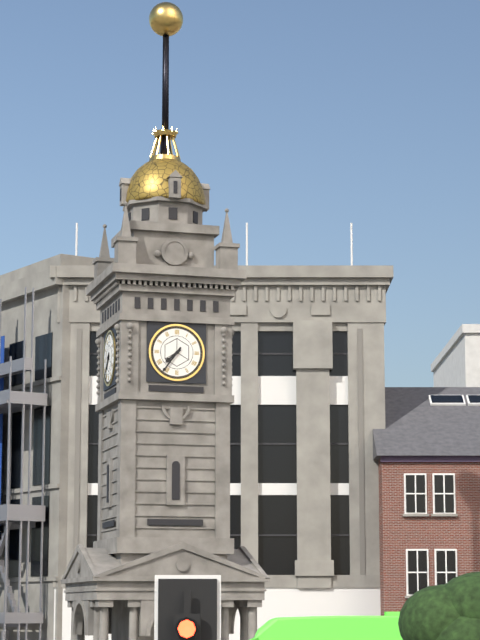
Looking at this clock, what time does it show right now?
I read 7:36
